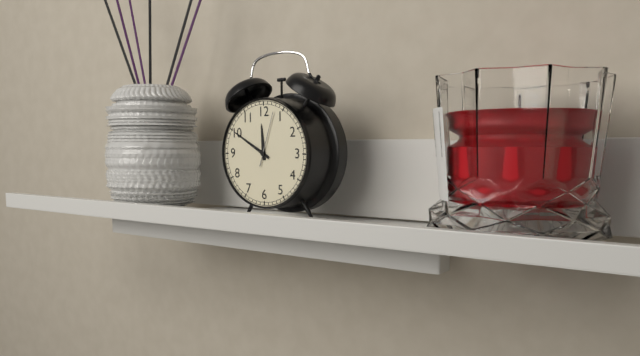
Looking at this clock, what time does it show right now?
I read 11:50:03
